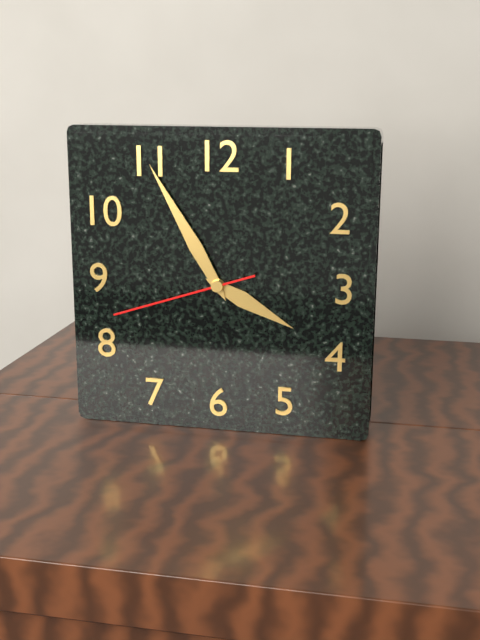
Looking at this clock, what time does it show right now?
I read 3:55:42
